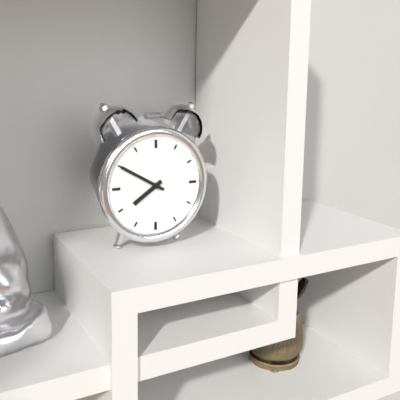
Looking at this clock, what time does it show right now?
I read 7:50
